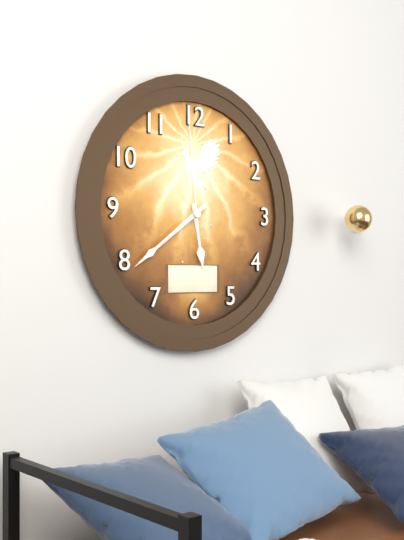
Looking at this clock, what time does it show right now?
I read 5:39:59
